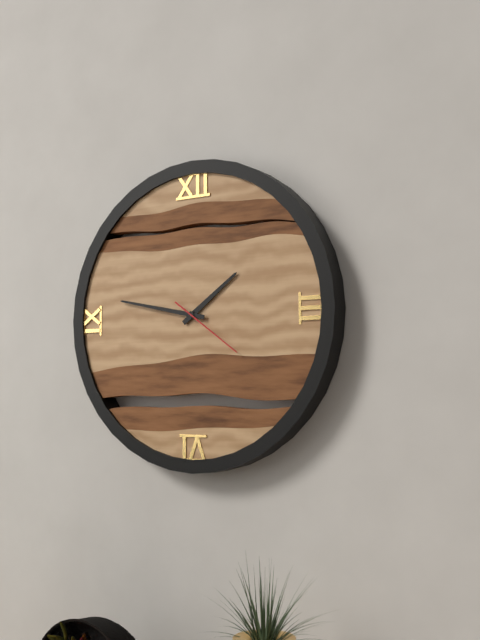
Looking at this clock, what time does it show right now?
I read 1:47:21
